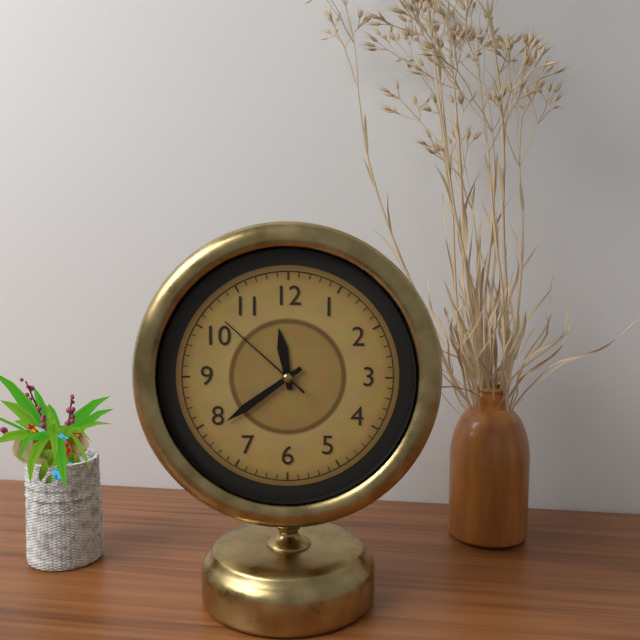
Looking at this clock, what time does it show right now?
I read 11:39:52
